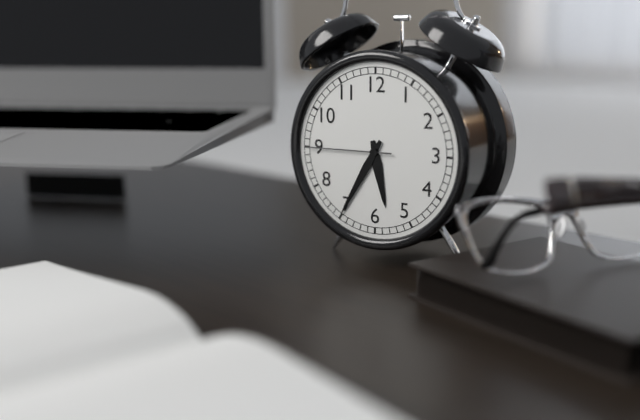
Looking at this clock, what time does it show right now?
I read 5:35:45
